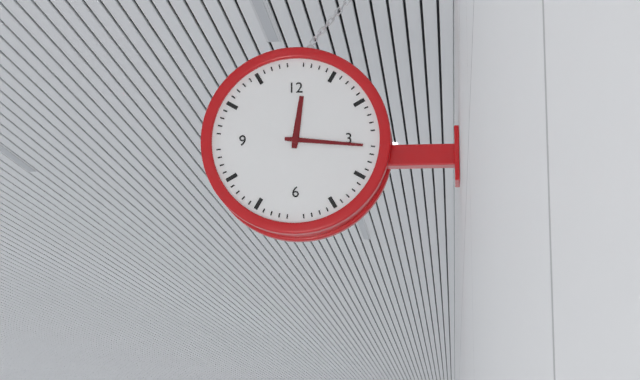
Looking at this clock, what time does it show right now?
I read 12:16
